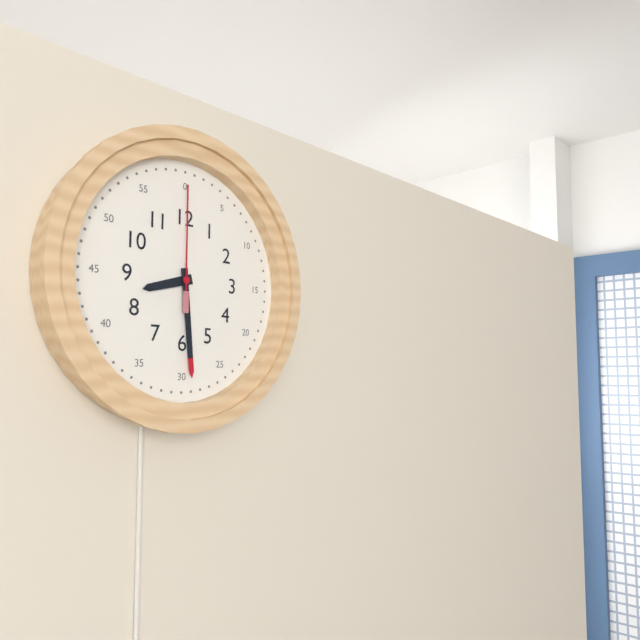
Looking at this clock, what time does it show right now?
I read 8:29:00
